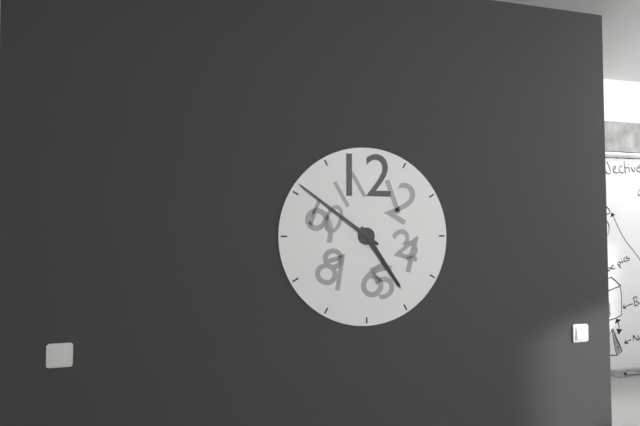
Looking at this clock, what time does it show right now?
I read 4:51
